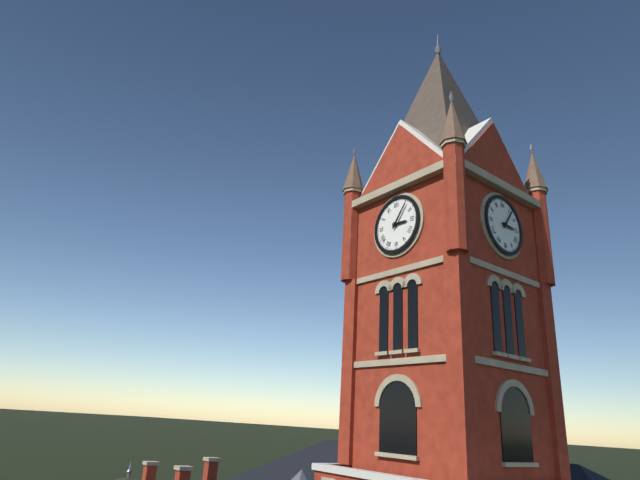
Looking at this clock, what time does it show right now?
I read 3:06
